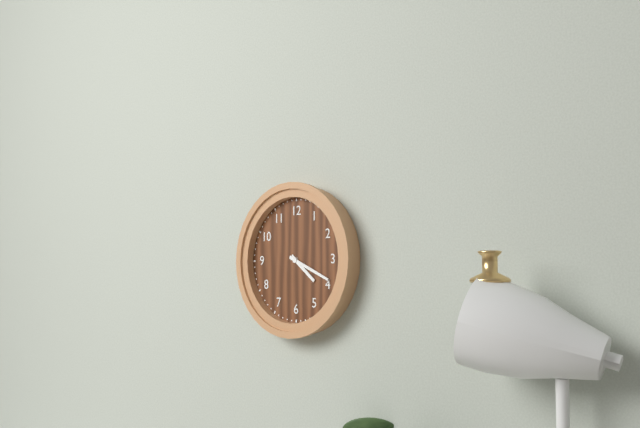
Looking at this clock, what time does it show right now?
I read 4:19
